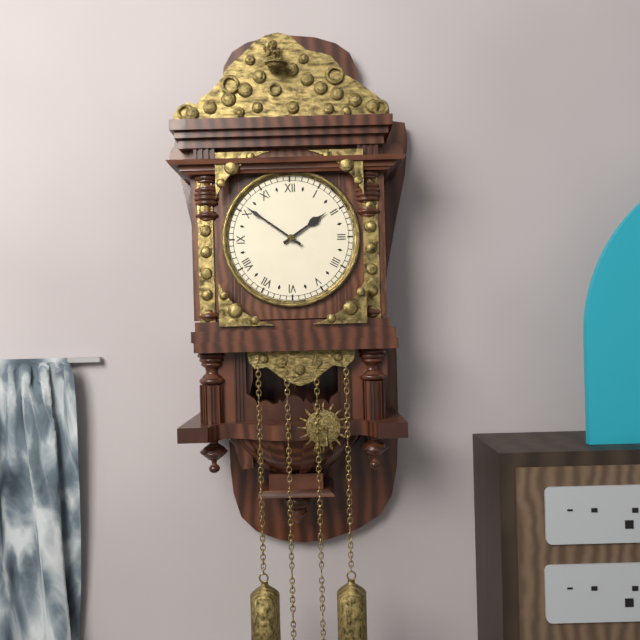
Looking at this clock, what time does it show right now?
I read 1:51
